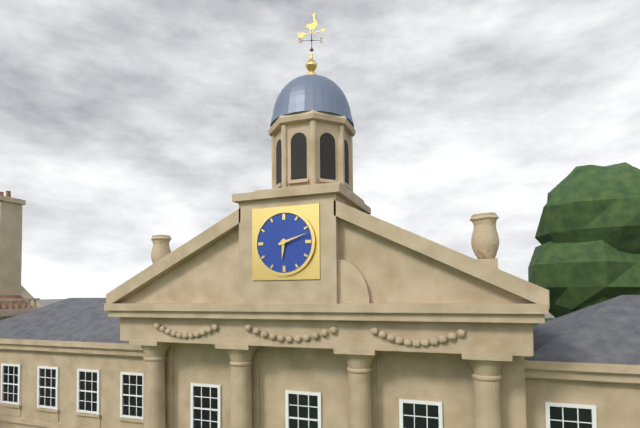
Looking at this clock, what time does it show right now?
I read 6:12
